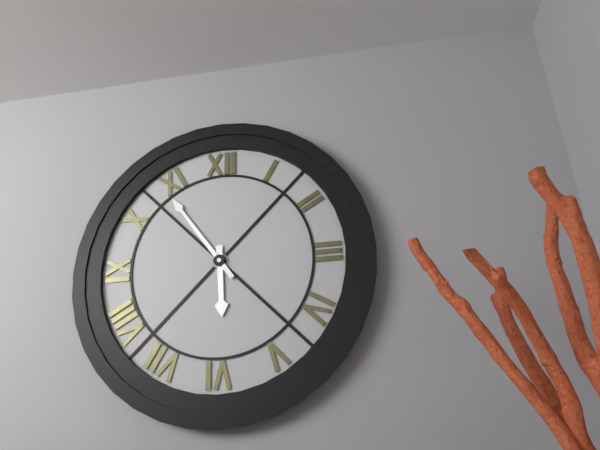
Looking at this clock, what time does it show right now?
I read 5:54
